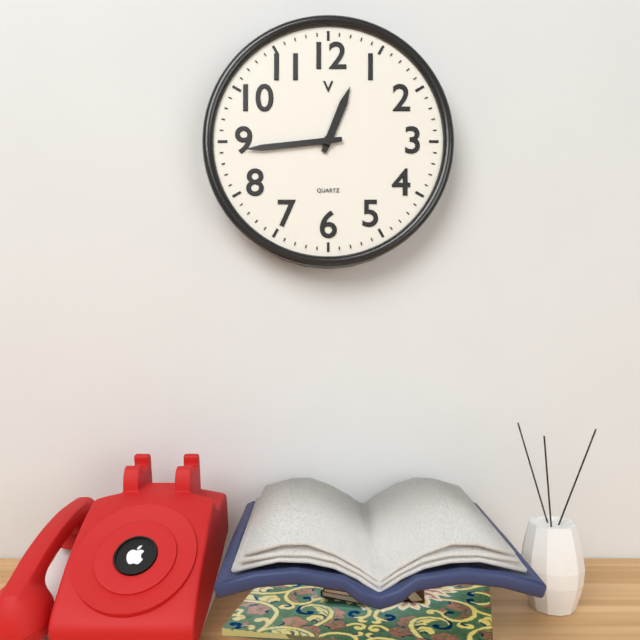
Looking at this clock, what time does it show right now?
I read 12:44
